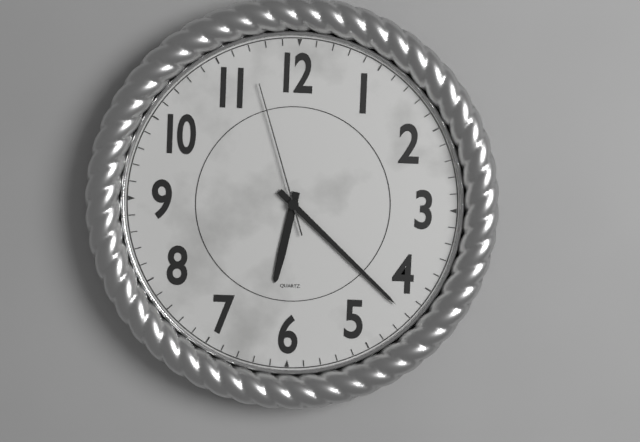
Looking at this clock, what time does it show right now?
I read 6:22:57
